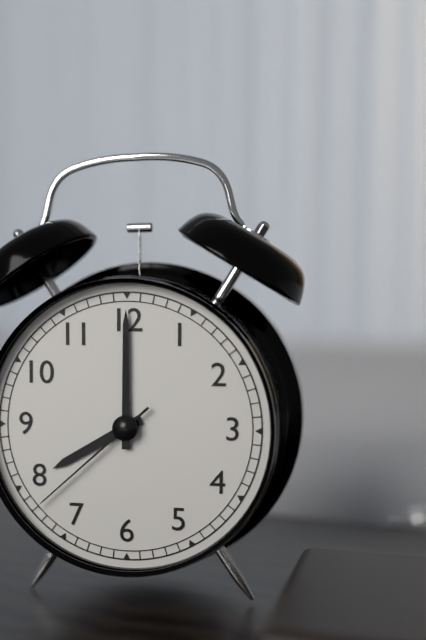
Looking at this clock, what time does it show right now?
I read 8:00:38
